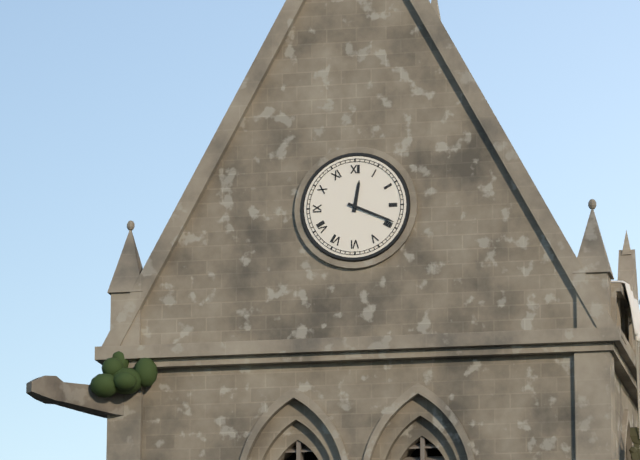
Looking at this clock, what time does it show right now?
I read 12:19
